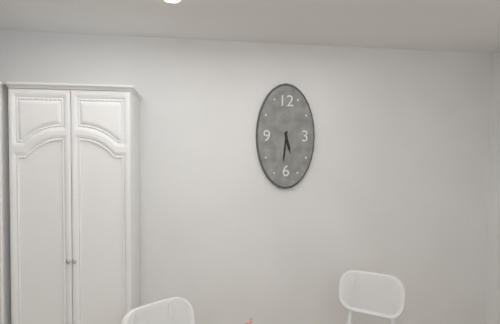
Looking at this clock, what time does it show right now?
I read 5:31
